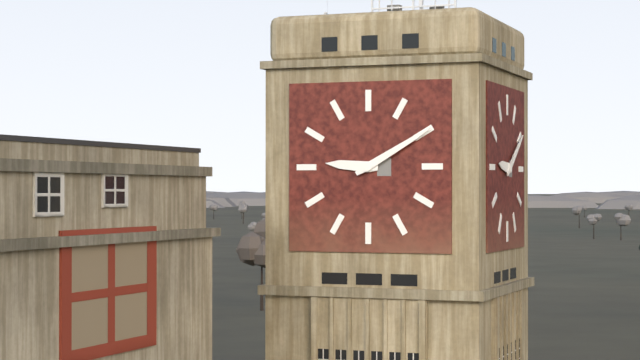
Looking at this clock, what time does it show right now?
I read 9:10
